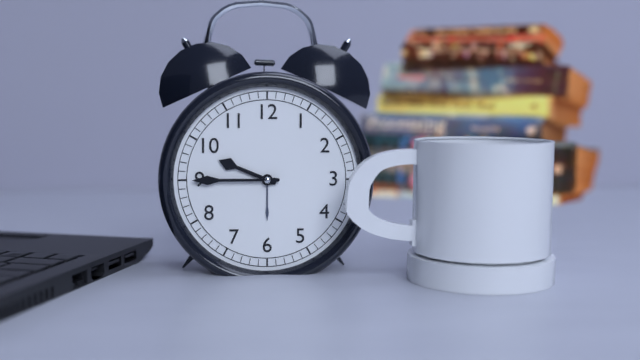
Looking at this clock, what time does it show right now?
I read 9:45
